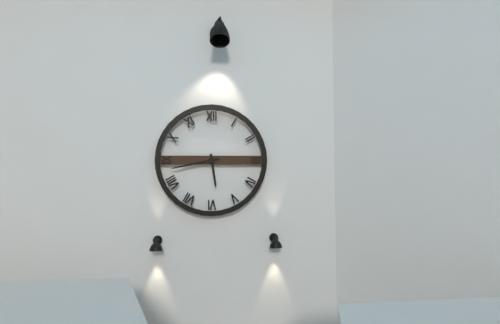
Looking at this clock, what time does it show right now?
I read 5:43
